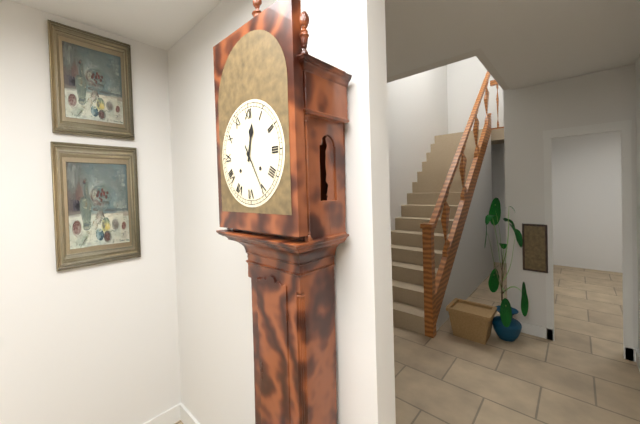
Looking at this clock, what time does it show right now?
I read 12:25
